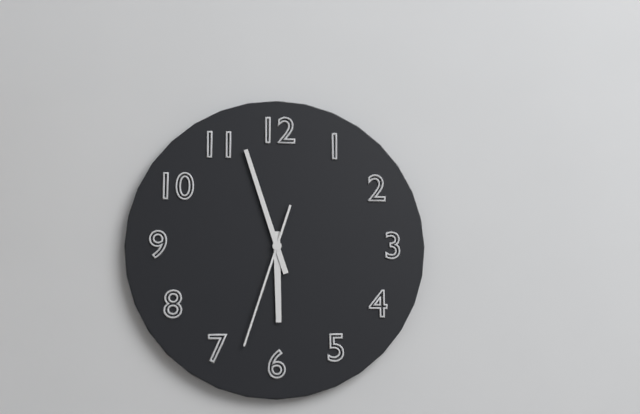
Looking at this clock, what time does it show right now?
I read 5:57:33
